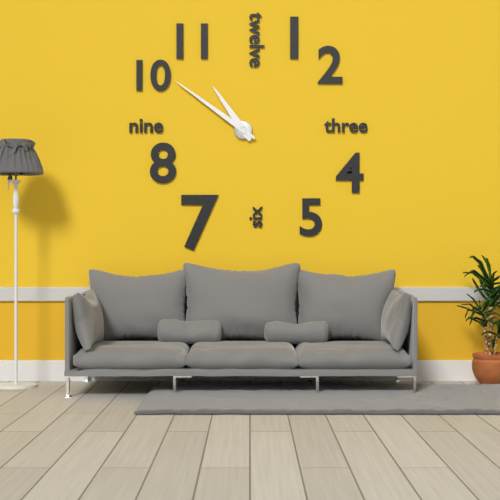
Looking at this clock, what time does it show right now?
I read 10:51
